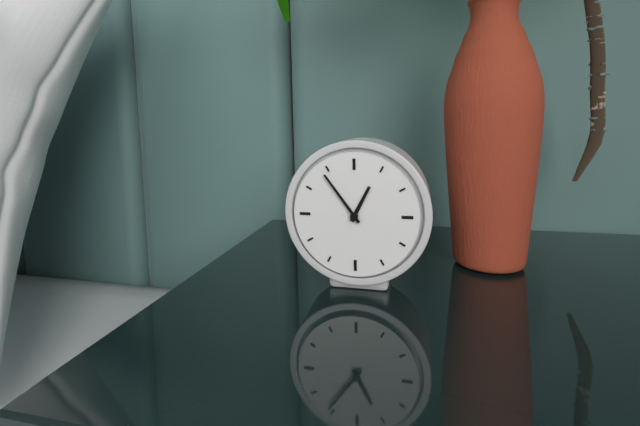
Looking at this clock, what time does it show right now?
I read 12:54
